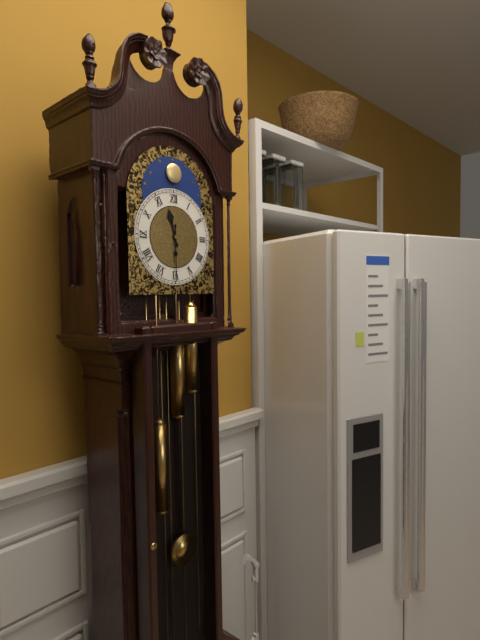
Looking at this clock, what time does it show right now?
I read 11:30
